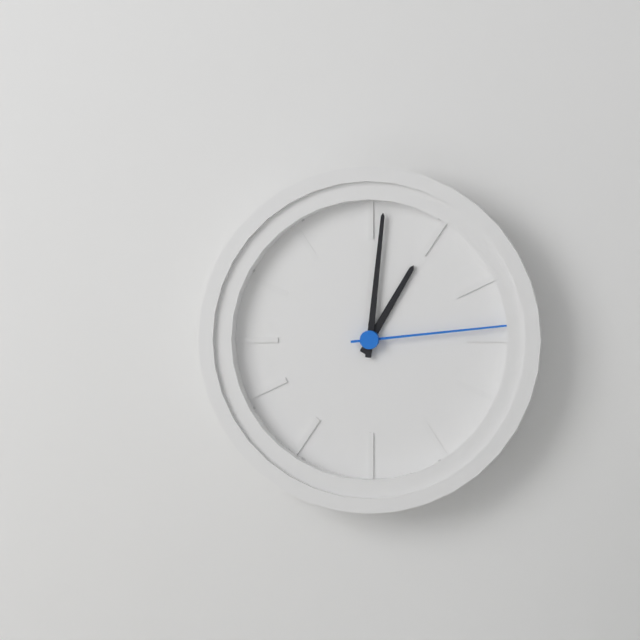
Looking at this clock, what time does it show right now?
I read 1:01:14
